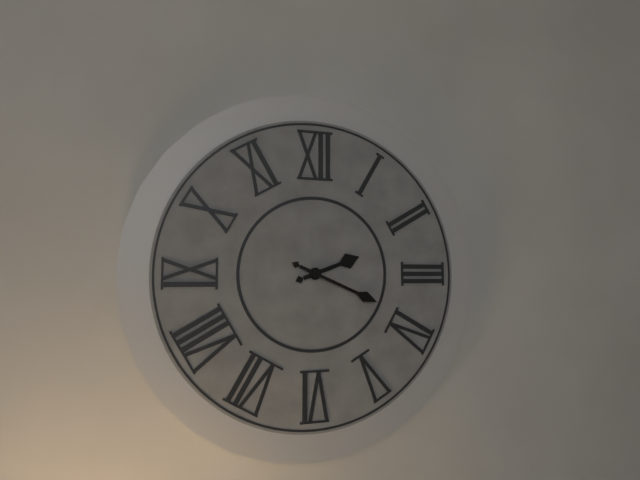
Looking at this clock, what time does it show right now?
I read 2:19
